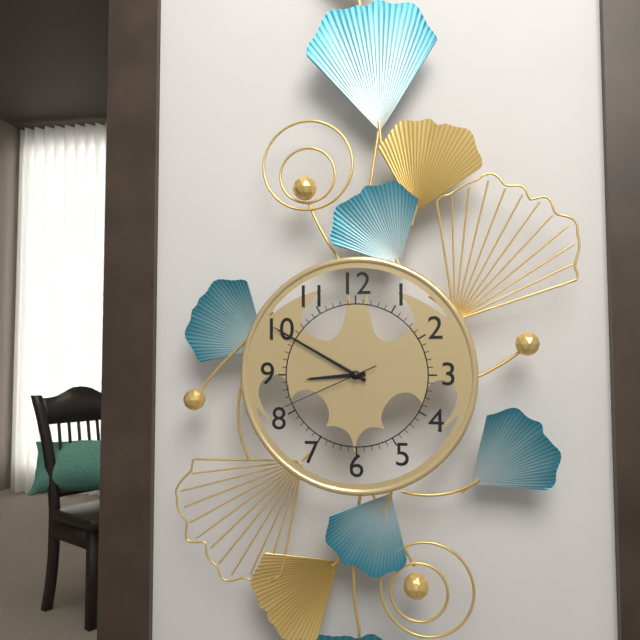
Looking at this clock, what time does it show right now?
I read 8:50:41
